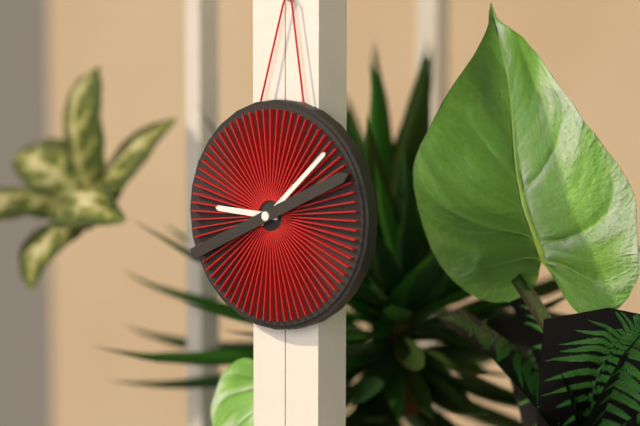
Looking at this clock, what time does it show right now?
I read 9:08:11
